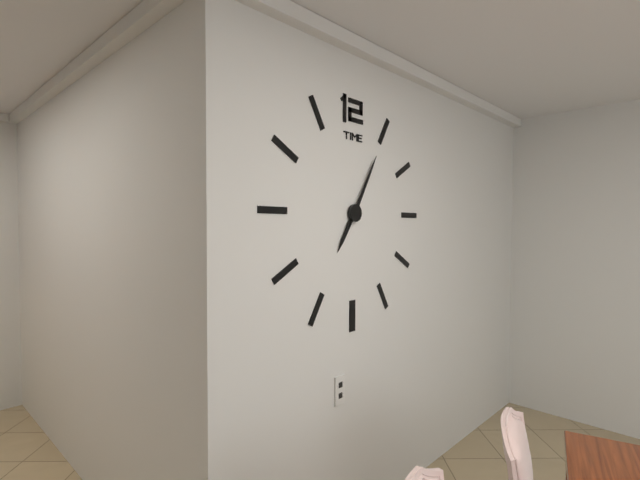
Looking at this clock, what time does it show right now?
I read 7:05
